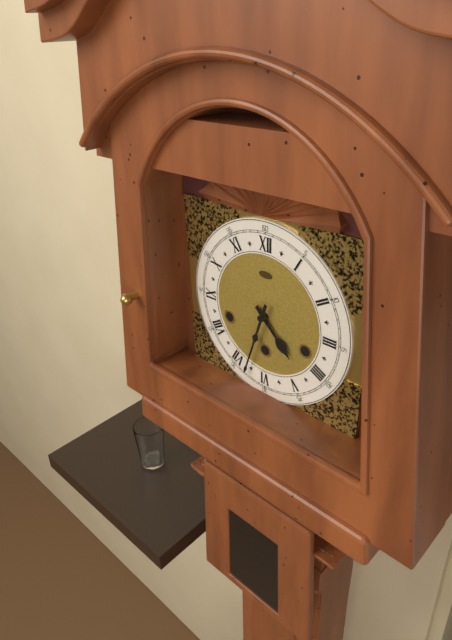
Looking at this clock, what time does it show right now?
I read 4:33
